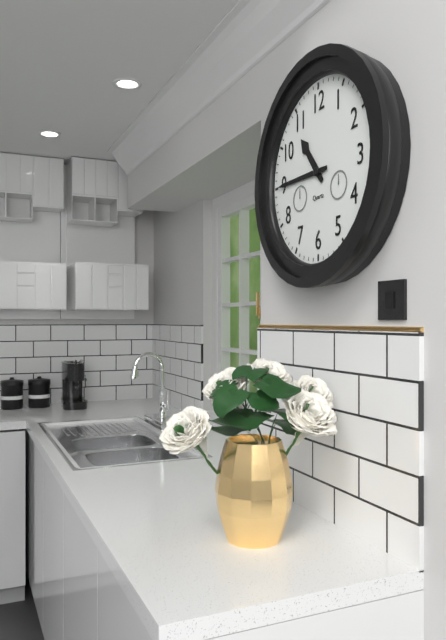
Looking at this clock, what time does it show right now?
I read 10:45
